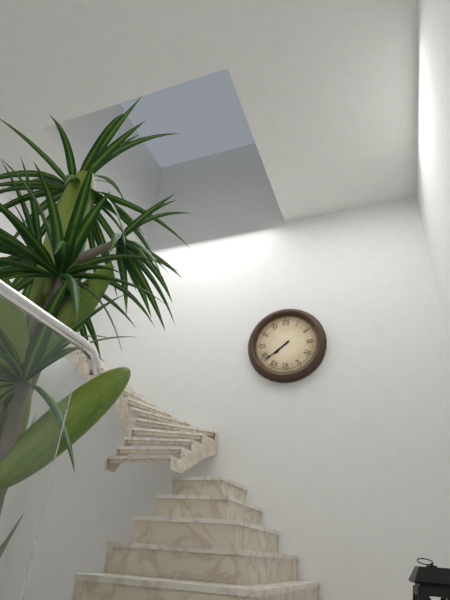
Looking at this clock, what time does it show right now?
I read 7:39
